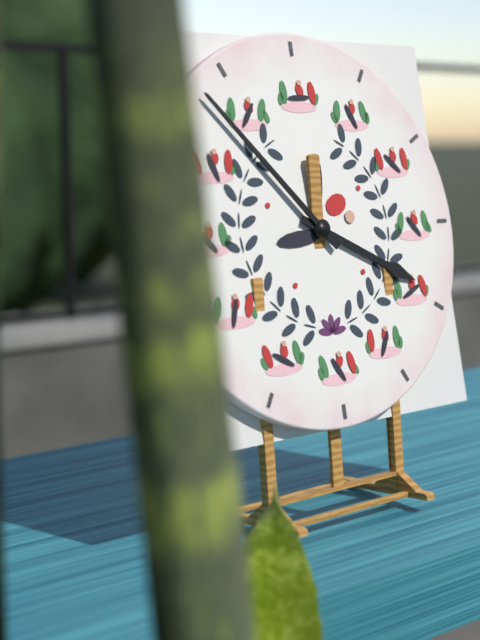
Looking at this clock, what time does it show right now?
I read 3:53
